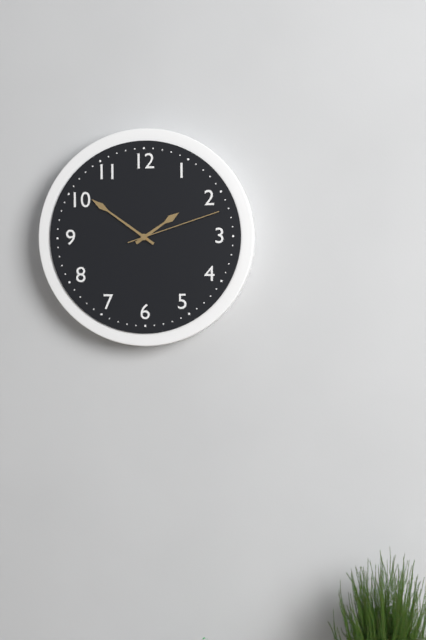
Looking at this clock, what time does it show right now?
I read 1:51:12
